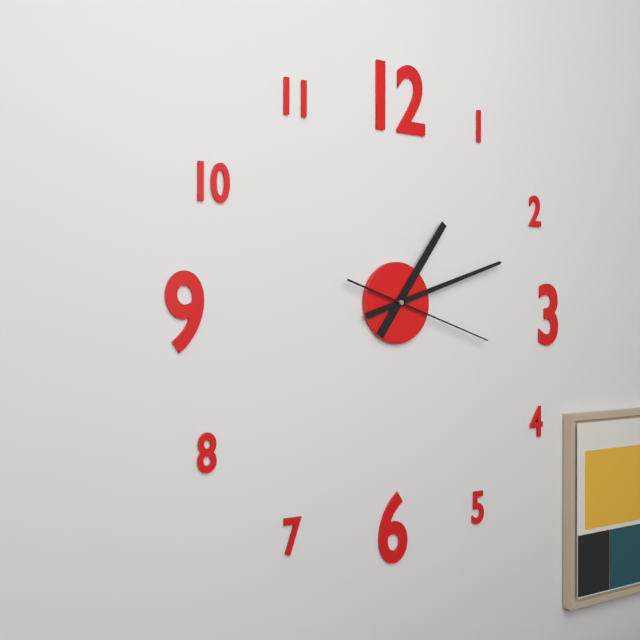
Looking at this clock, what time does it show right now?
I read 1:12:18
